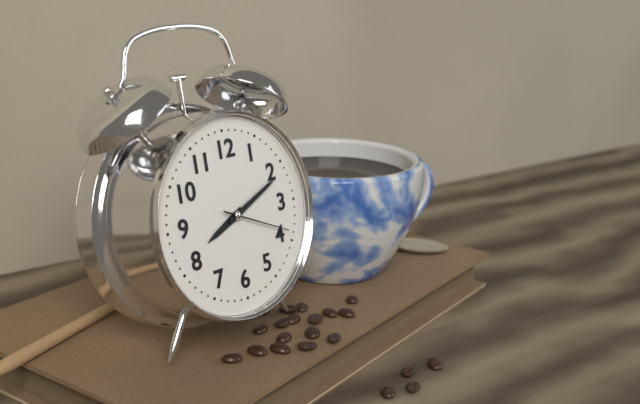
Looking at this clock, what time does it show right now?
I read 8:11:19
